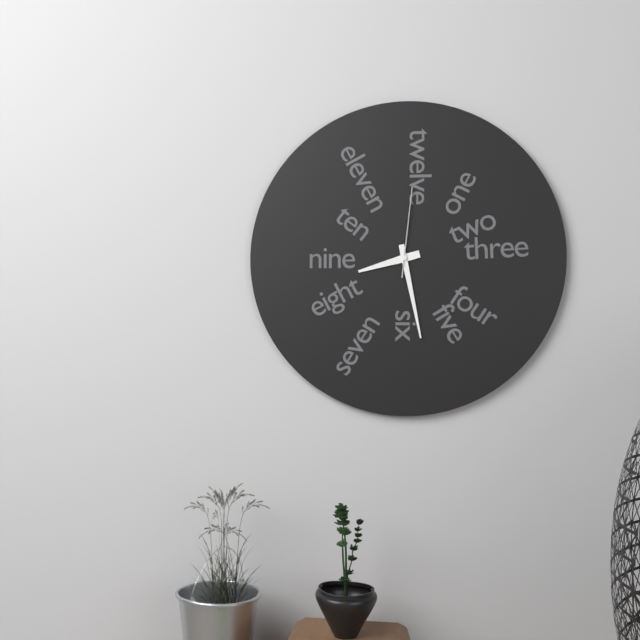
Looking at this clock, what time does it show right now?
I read 8:28:01
